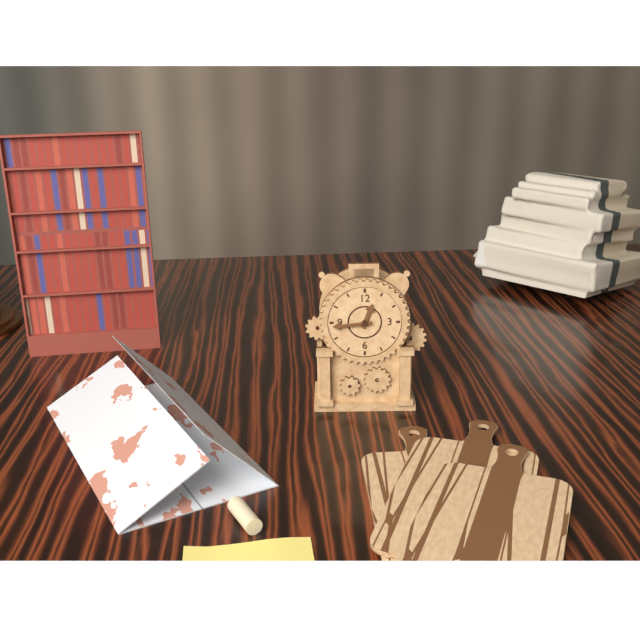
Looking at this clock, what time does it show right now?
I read 12:44
